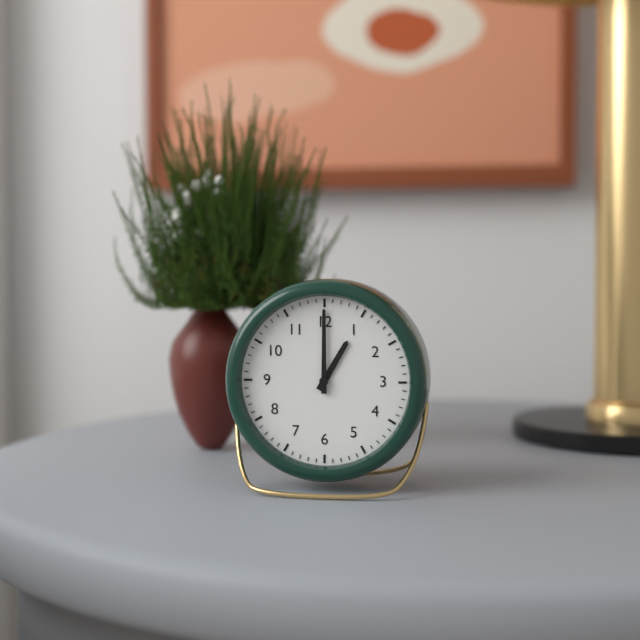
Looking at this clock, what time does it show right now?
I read 1:00
